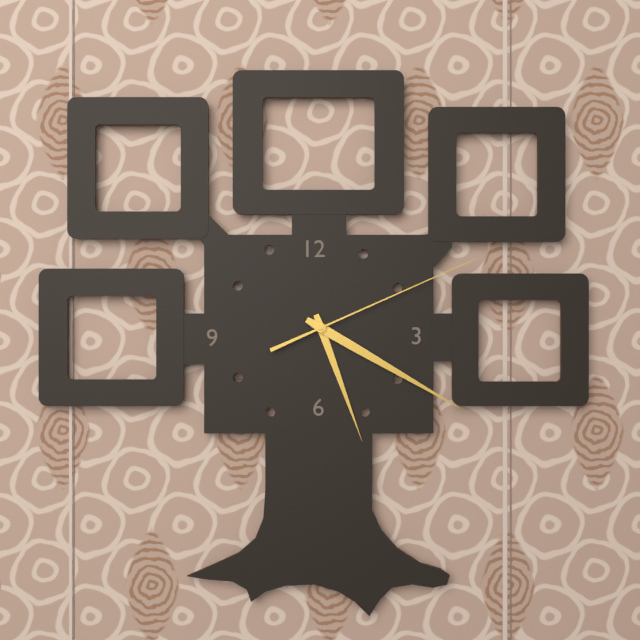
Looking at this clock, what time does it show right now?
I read 5:20:11
